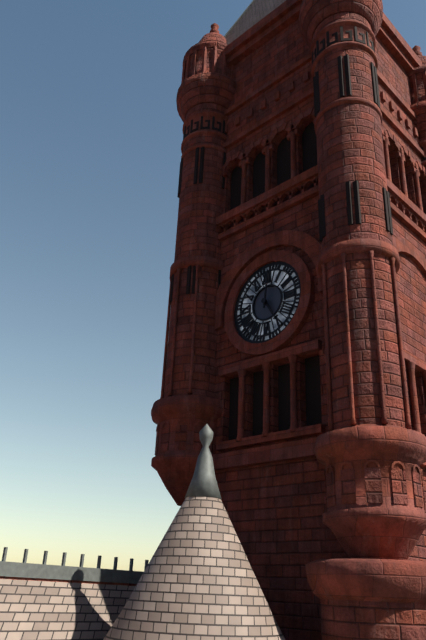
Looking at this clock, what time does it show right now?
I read 5:01
